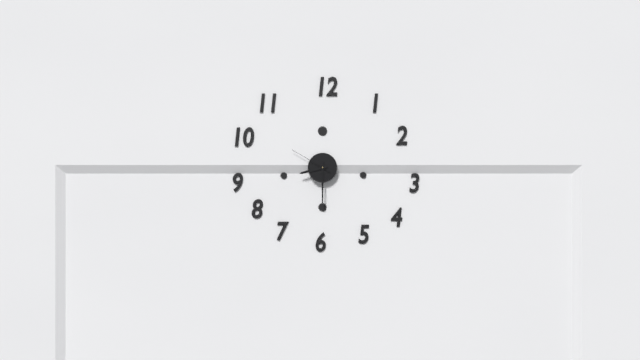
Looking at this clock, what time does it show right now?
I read 8:30
